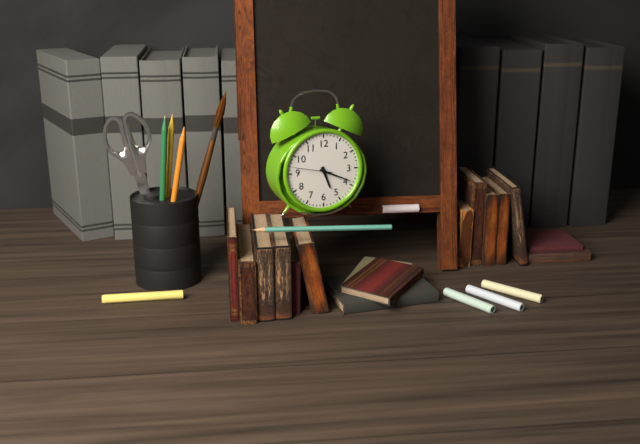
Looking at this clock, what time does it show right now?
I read 5:19
